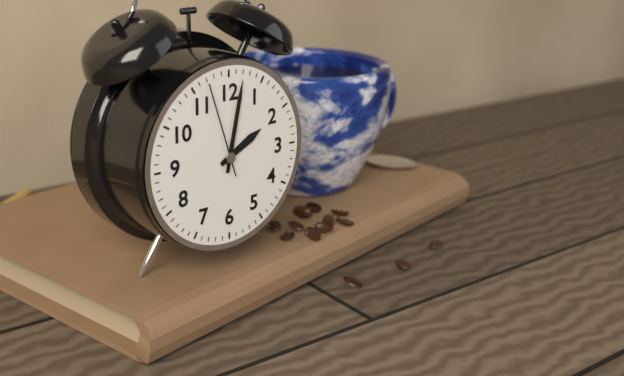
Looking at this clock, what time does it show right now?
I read 2:02:57
